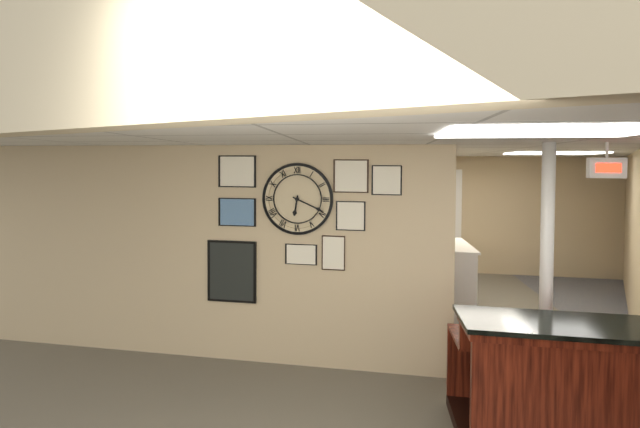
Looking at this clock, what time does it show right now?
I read 6:19
